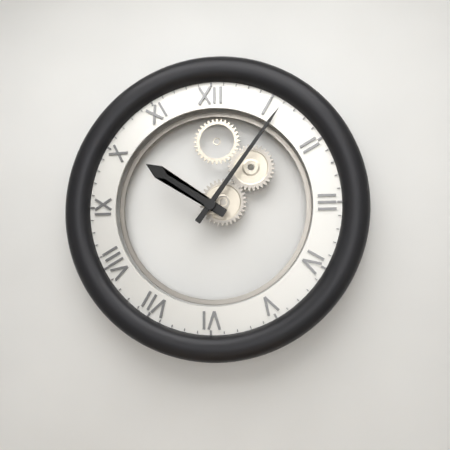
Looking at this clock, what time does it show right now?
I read 10:06
